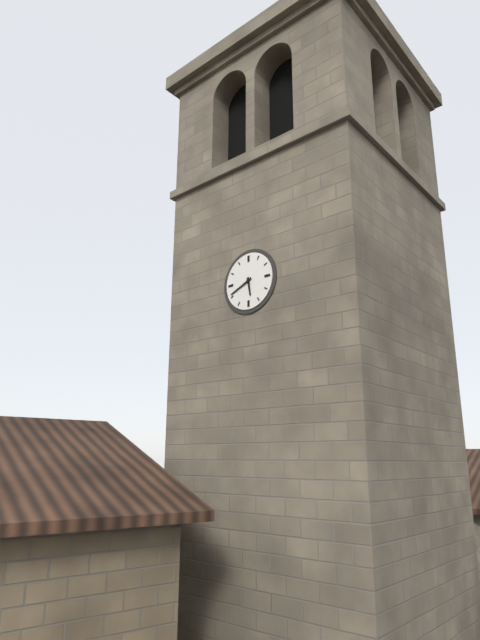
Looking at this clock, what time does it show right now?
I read 5:41
